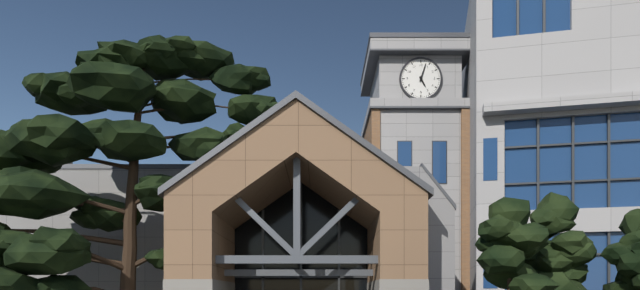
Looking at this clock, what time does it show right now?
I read 5:03
